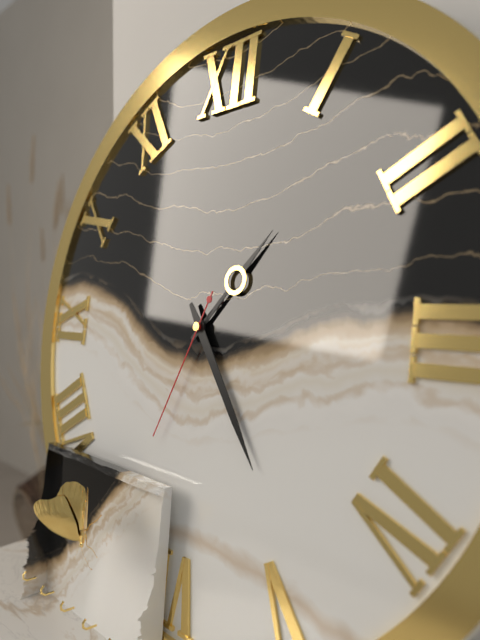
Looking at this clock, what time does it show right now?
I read 1:24:34
